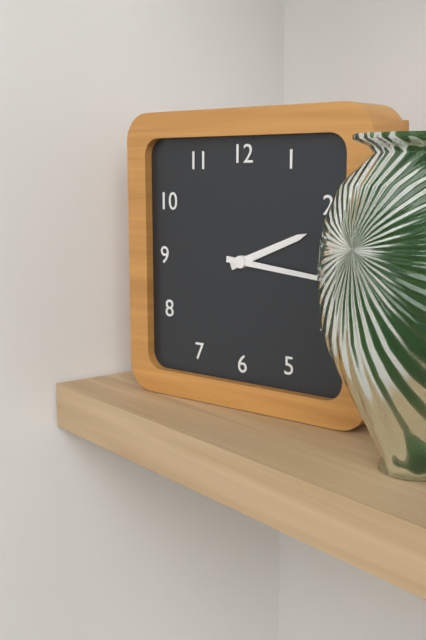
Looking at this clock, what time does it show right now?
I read 2:16
